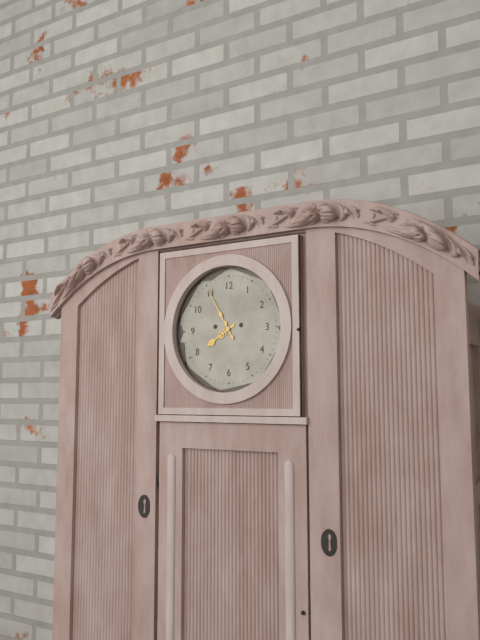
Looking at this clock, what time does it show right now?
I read 7:55
